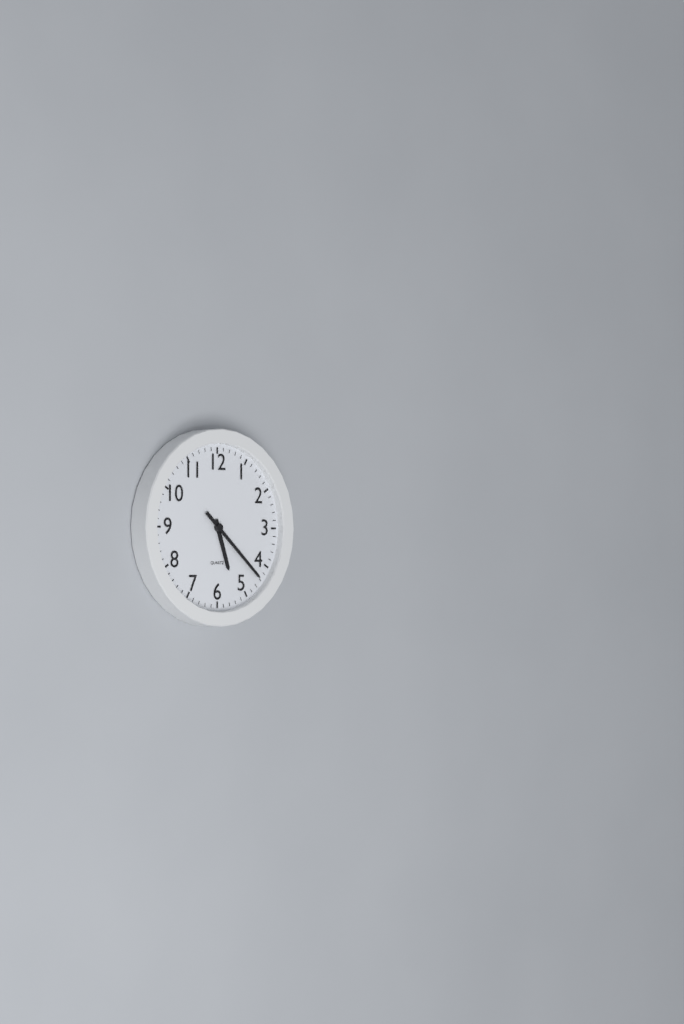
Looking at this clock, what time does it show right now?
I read 5:22
